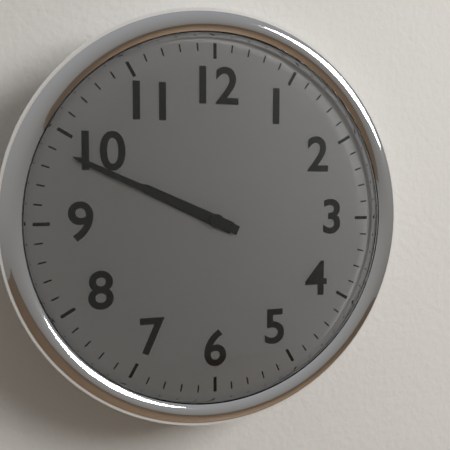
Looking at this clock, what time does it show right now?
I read 9:49
